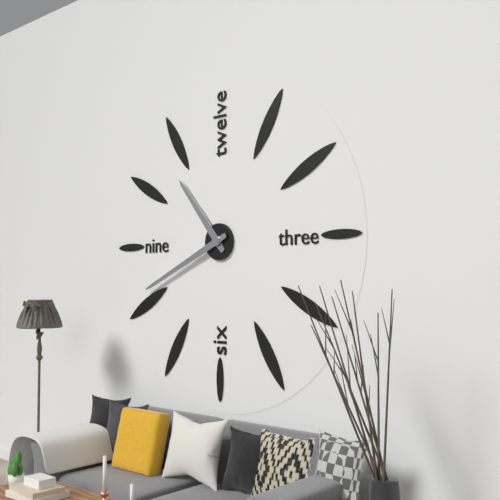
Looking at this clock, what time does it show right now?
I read 10:41
